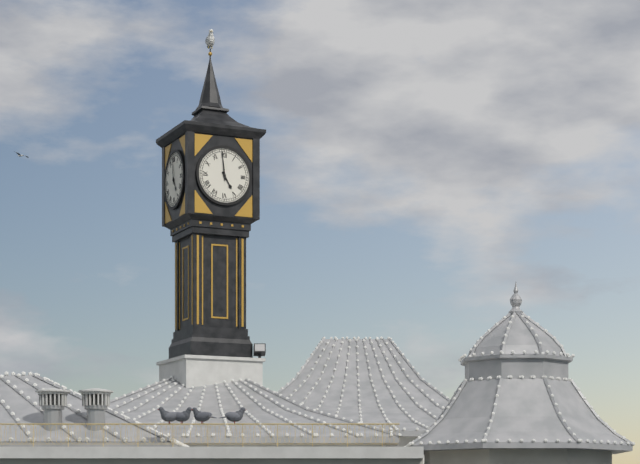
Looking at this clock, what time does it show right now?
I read 4:59
